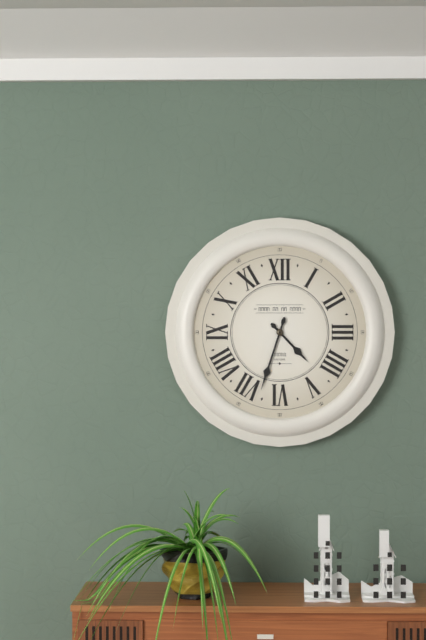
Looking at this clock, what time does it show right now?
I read 4:33
